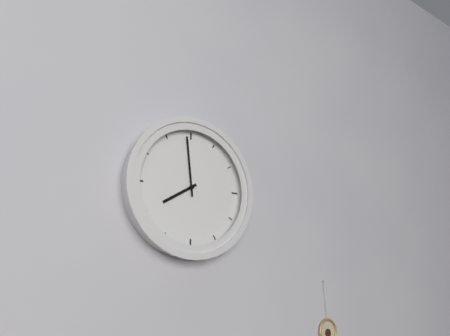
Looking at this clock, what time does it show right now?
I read 7:59
